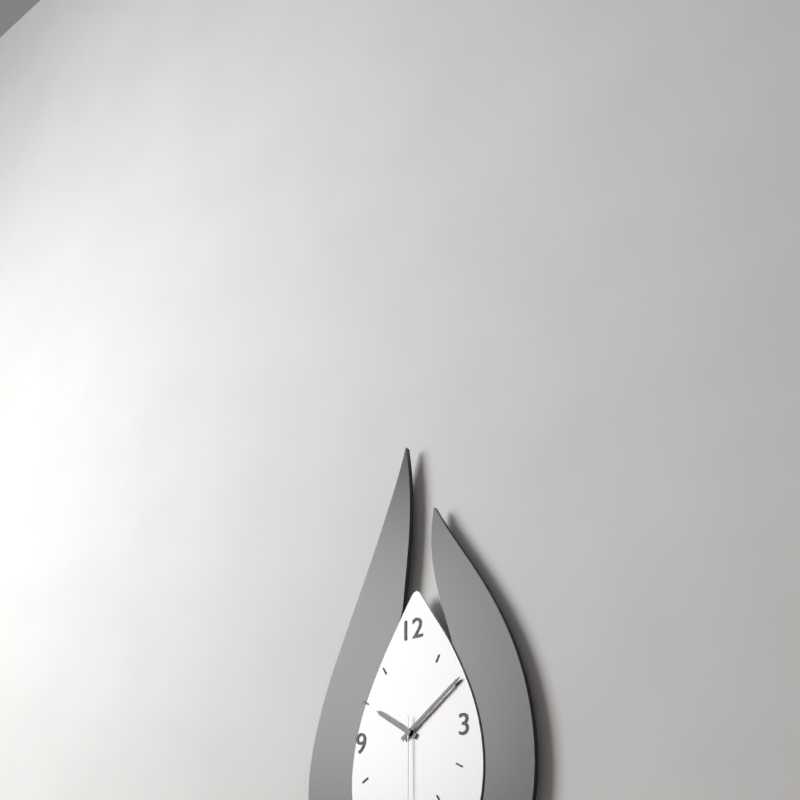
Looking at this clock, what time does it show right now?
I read 10:09
